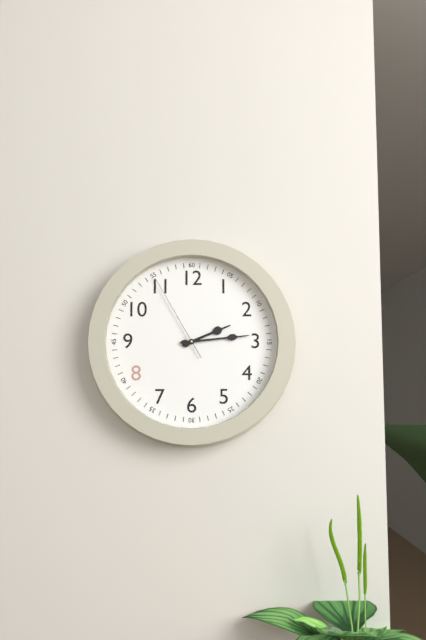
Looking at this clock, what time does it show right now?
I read 2:14:55
